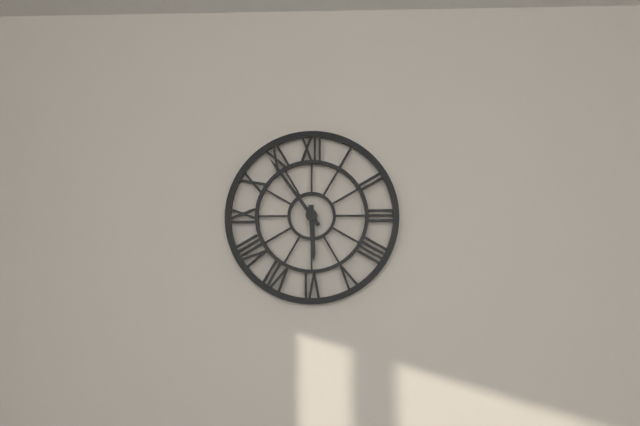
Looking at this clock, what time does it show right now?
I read 5:54
